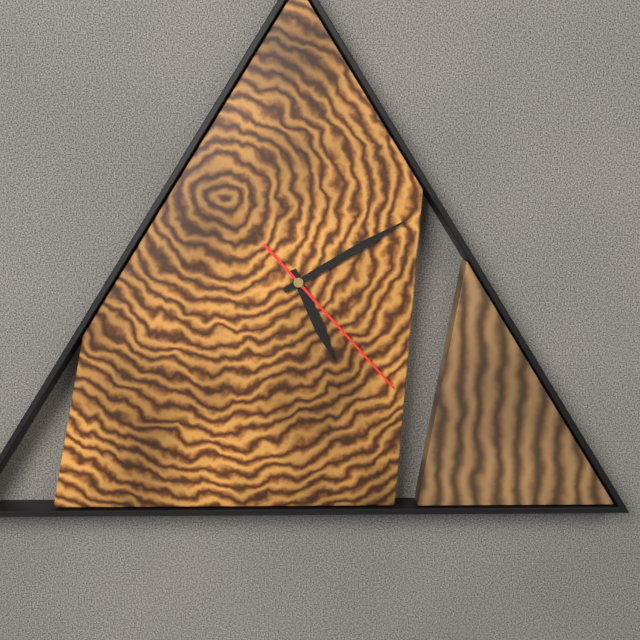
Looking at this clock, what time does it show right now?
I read 5:10:23
